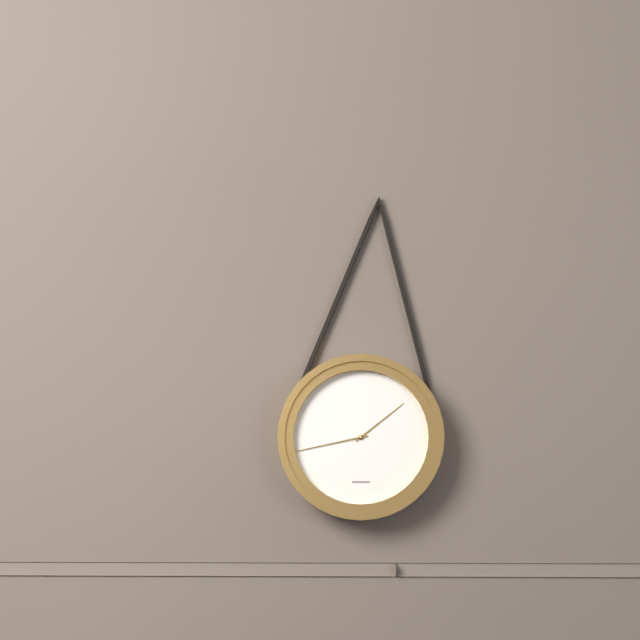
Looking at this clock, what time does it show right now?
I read 1:43
